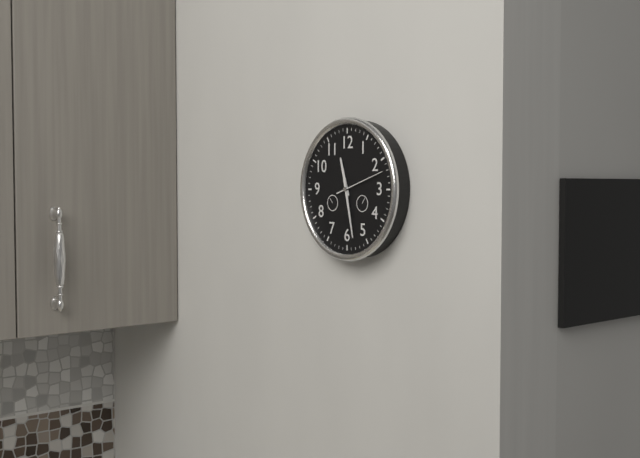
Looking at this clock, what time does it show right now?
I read 11:28:12
